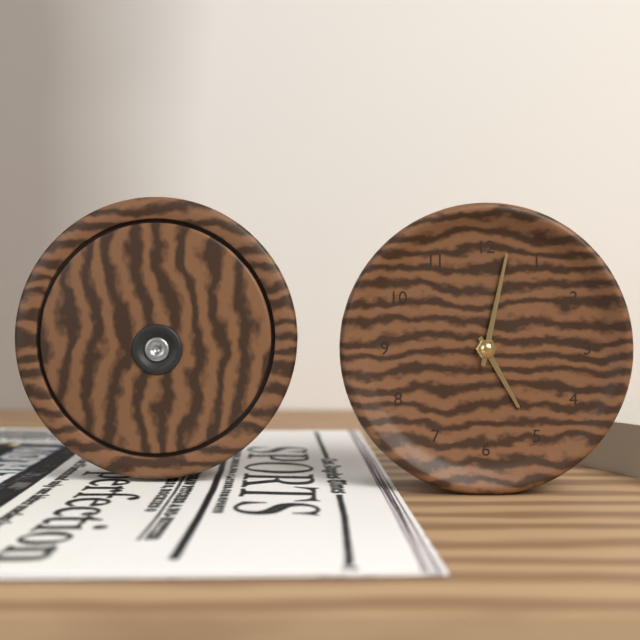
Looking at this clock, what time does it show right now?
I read 5:02
